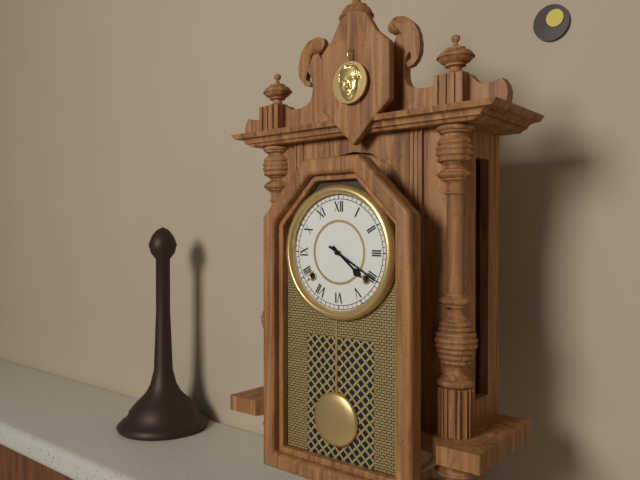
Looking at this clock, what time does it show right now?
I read 4:20
